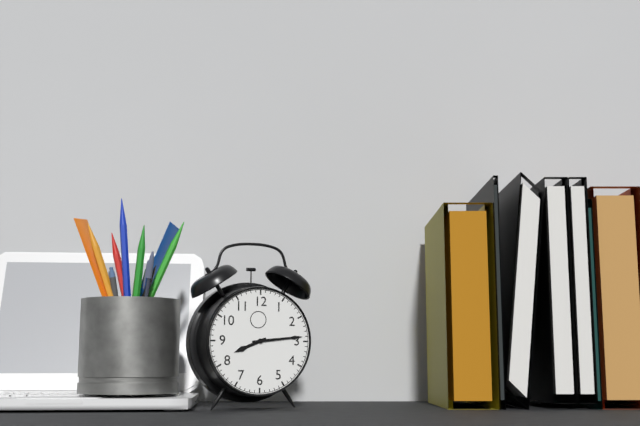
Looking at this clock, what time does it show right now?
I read 8:14
